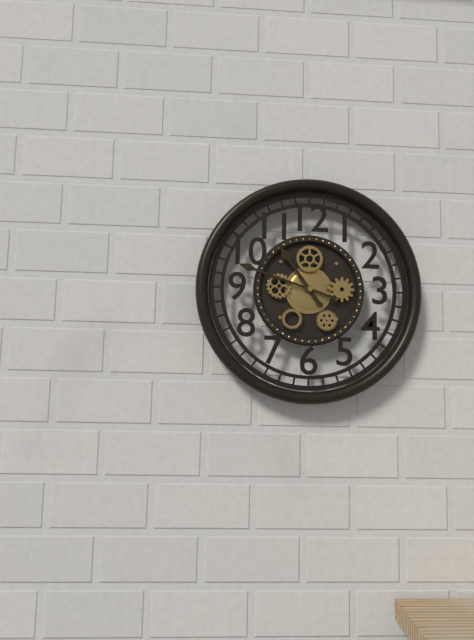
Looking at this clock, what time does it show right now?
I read 10:48
